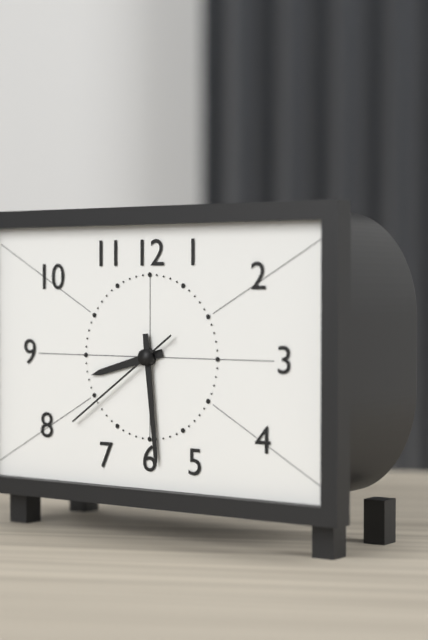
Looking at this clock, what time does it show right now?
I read 8:29:39
